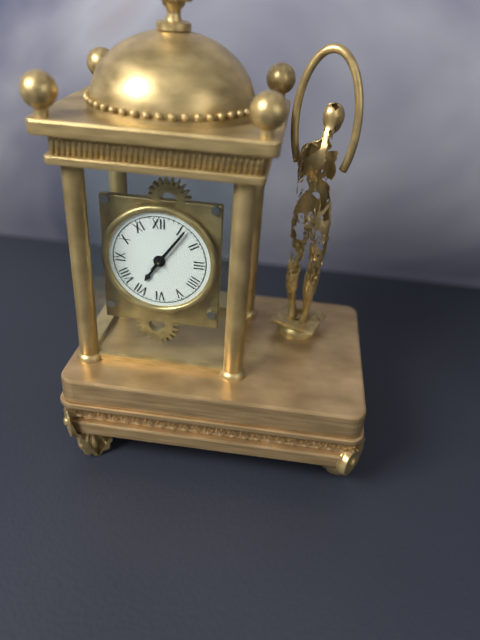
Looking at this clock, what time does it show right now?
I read 7:06
